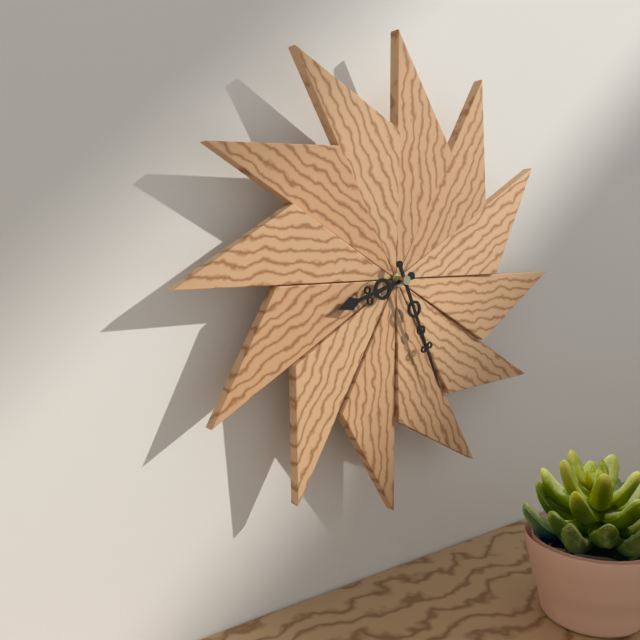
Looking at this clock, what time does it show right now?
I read 8:26
